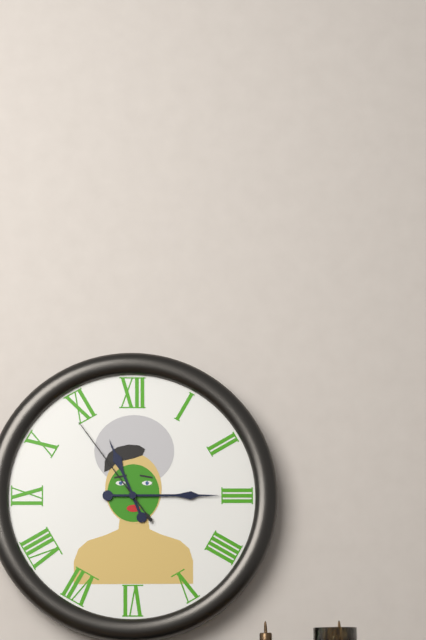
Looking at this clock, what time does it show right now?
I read 11:15:54
